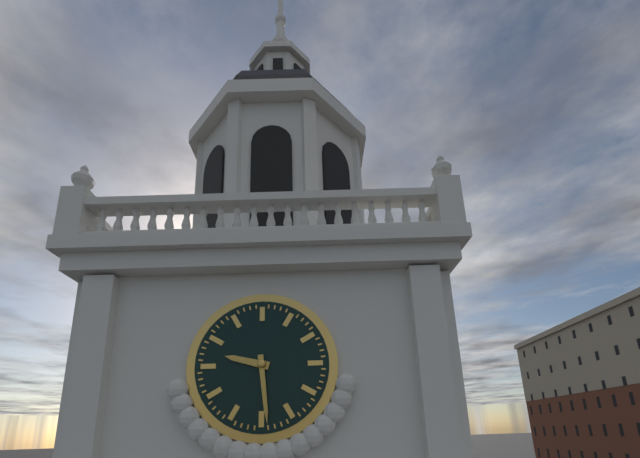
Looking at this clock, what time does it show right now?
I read 9:29
